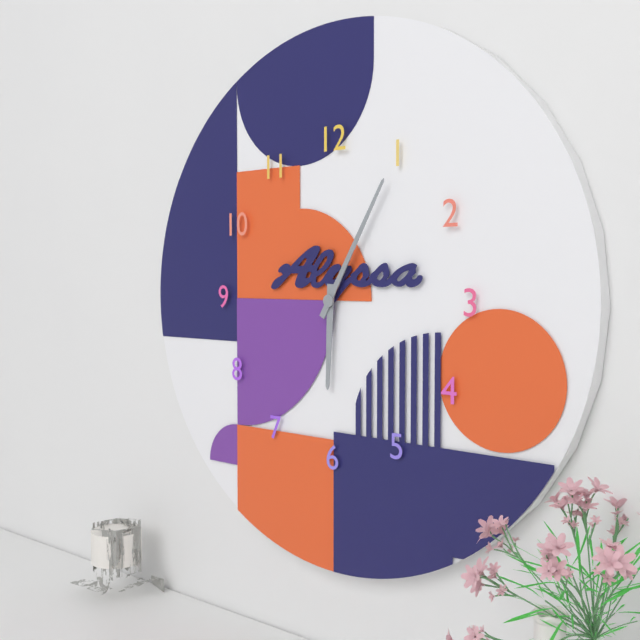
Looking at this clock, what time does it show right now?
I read 6:05
